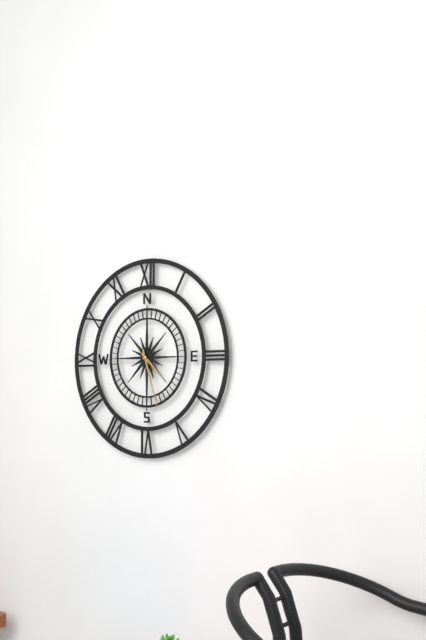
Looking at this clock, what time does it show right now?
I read 4:27
